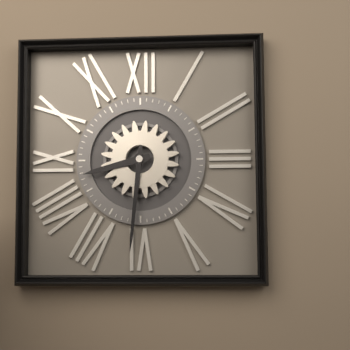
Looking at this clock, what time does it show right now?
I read 8:31
